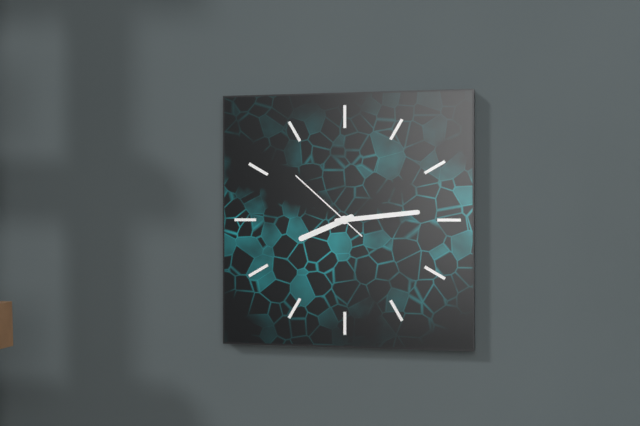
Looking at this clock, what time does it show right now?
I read 8:14:52
